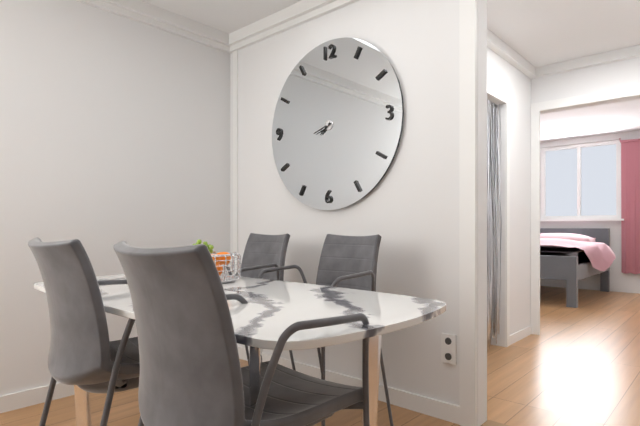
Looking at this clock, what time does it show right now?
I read 7:42
